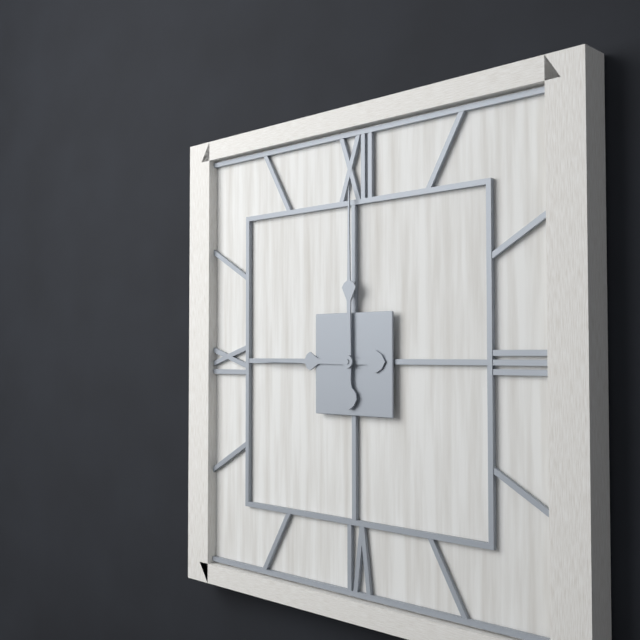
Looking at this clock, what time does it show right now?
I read 9:00
